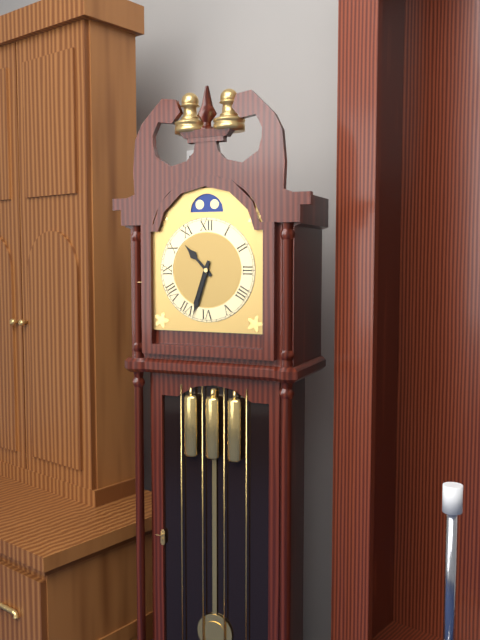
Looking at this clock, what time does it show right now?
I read 10:33
